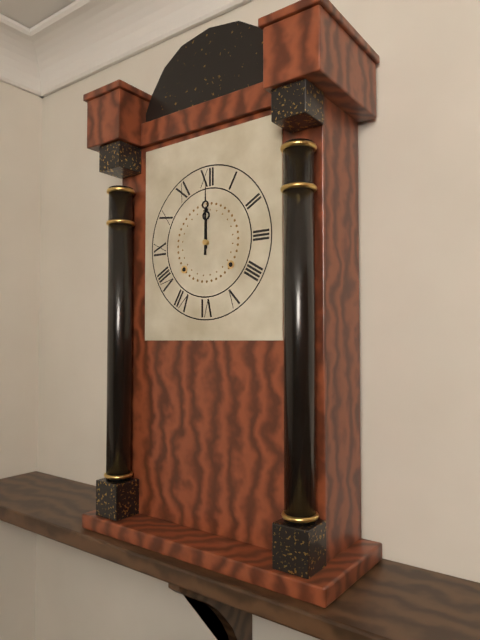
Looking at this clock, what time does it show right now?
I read 12:00
